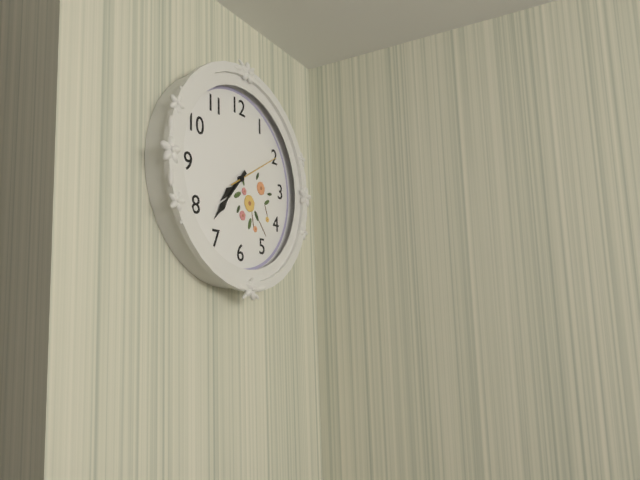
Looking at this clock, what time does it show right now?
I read 7:37:10
